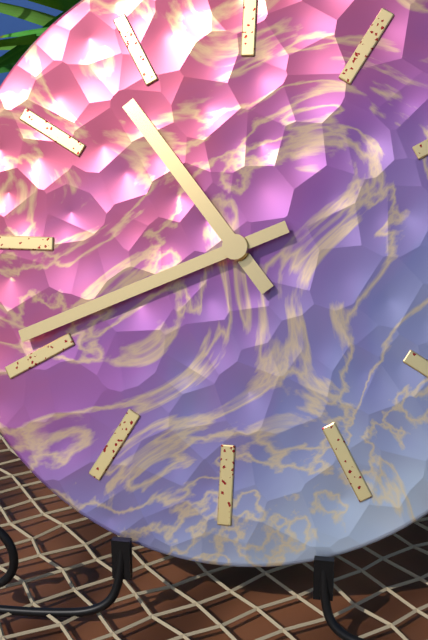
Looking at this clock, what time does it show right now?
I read 10:41
